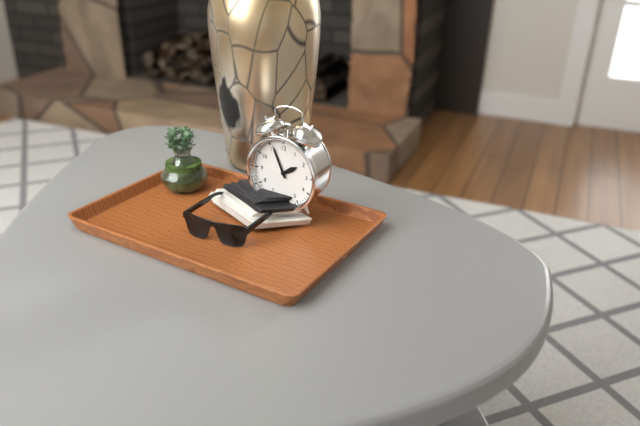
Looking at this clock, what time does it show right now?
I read 1:56
